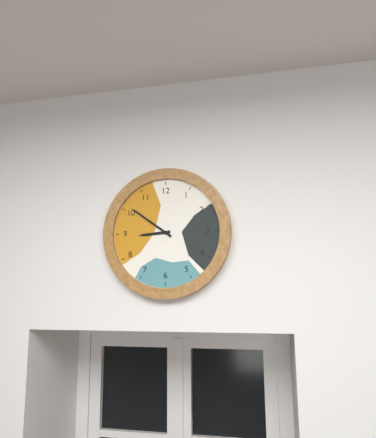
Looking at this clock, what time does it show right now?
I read 8:51
